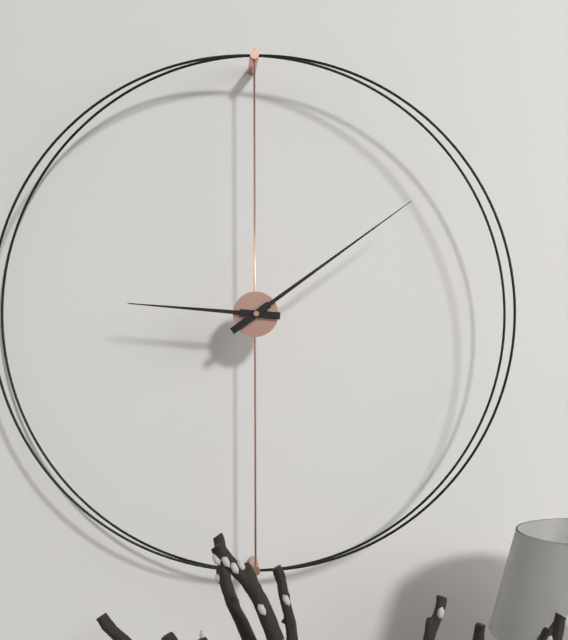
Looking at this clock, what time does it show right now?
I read 9:09
